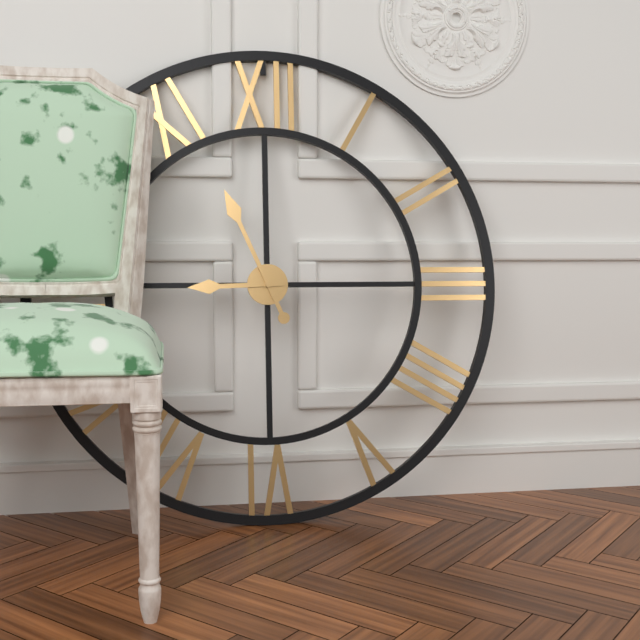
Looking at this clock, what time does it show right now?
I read 8:56
